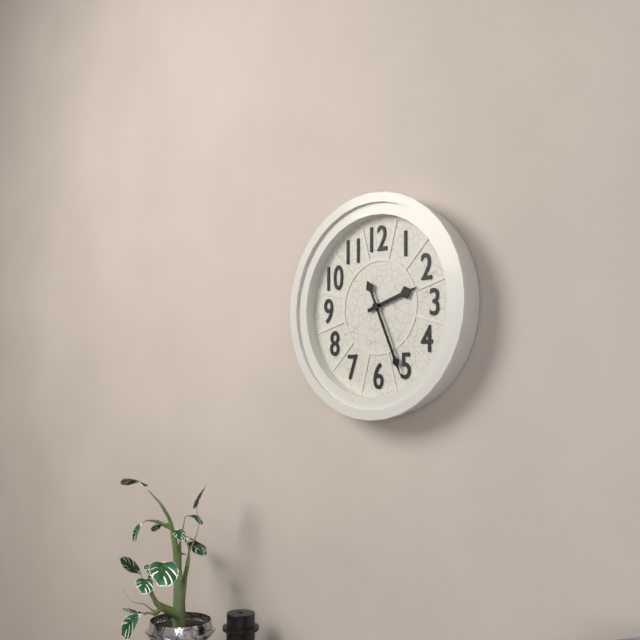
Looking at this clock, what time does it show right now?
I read 2:26
